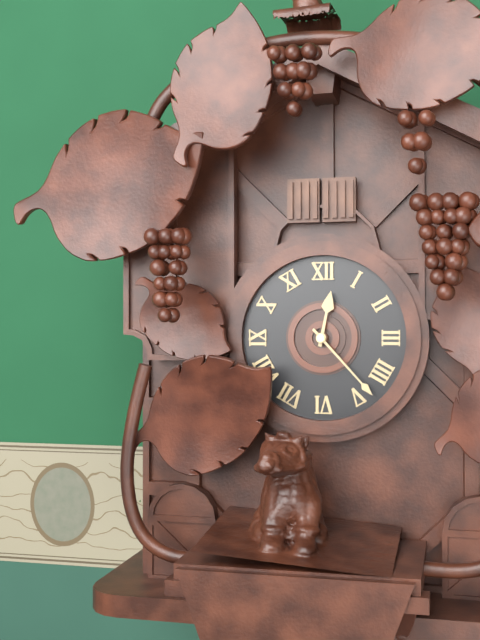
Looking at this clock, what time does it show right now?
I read 12:23
